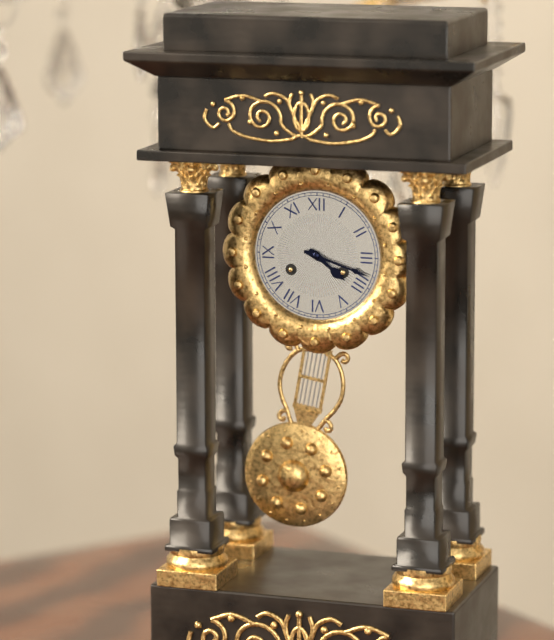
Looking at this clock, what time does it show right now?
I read 4:18
